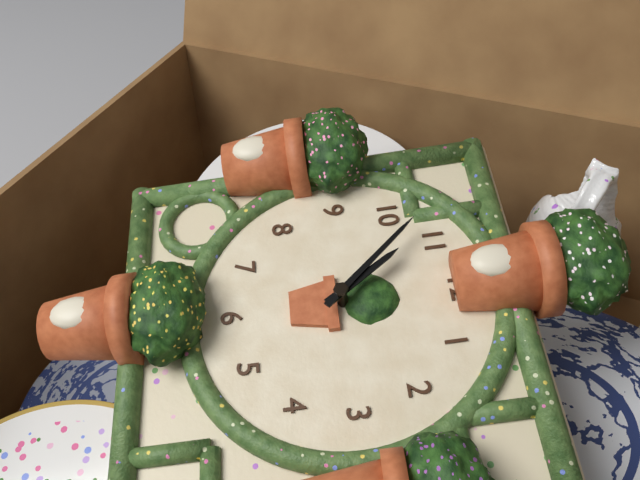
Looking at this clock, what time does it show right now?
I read 10:53
